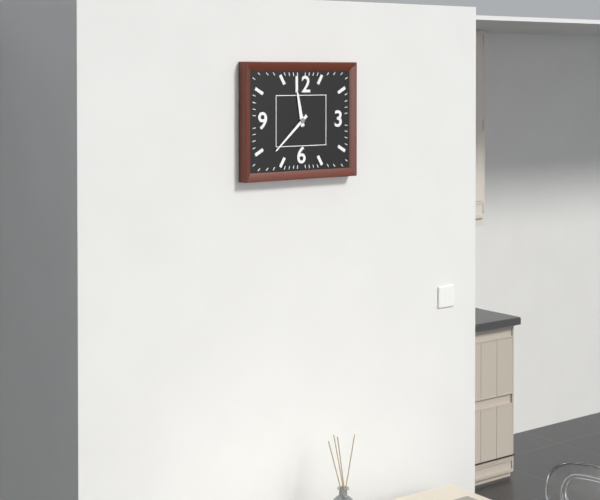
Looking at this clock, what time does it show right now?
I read 11:38
